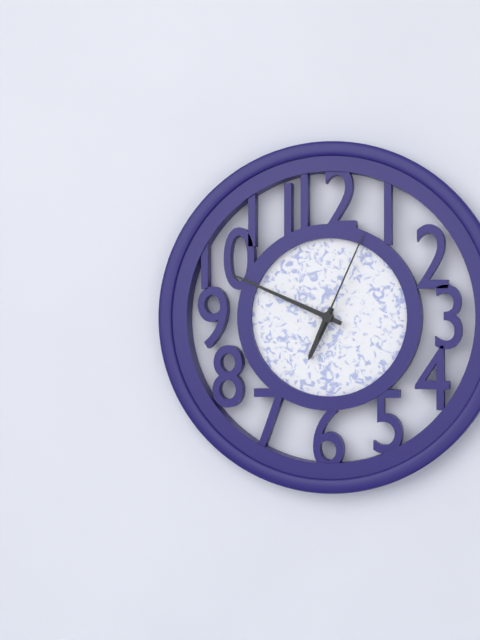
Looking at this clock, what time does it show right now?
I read 6:49:04
